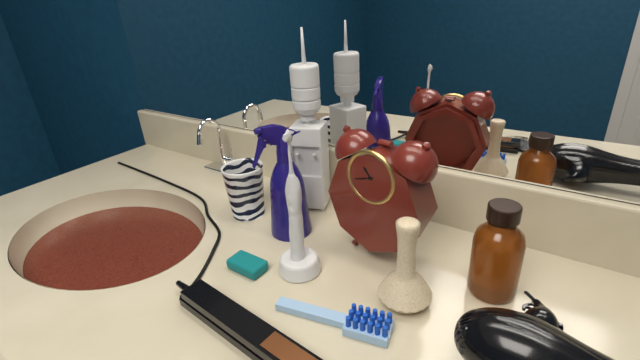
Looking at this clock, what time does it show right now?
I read 10:42
